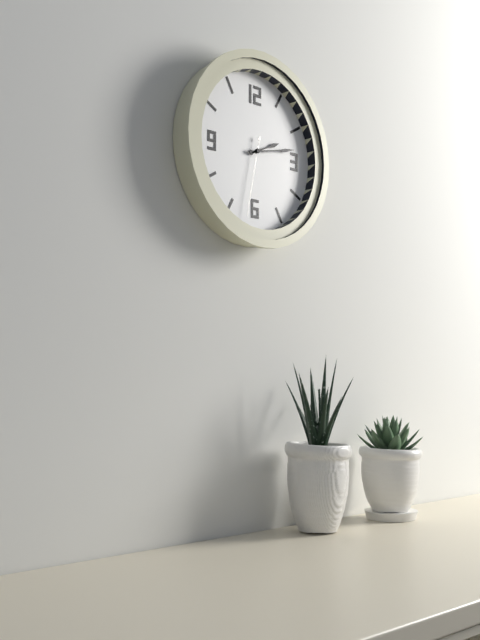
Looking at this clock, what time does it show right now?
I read 2:13:32
